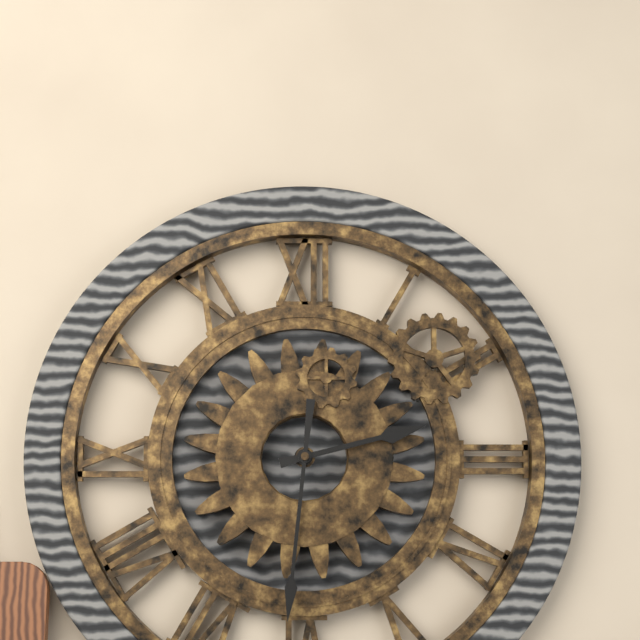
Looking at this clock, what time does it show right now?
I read 2:31
